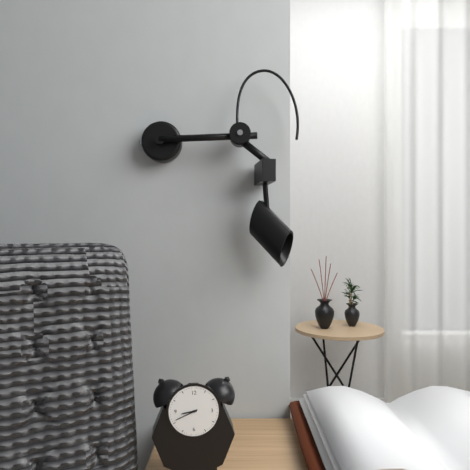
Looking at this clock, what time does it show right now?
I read 8:41
